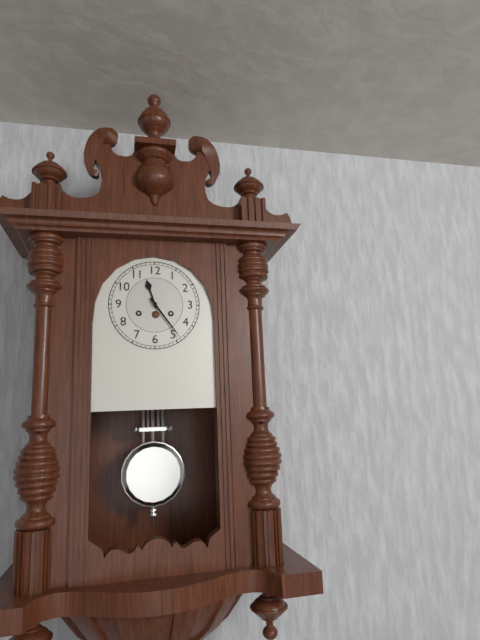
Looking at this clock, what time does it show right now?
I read 11:24
